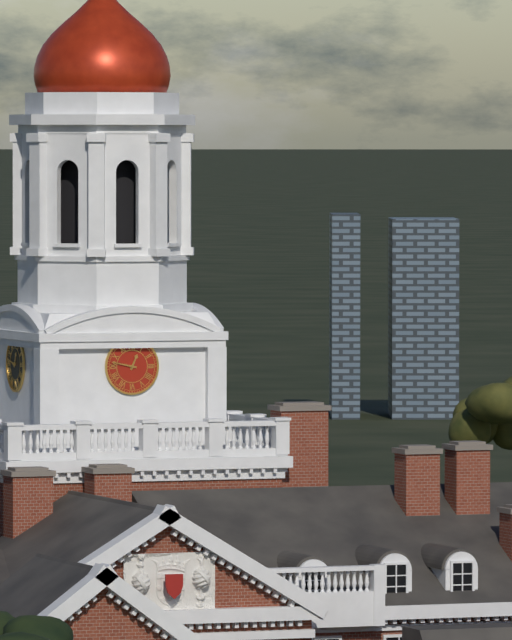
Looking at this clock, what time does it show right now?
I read 12:47
